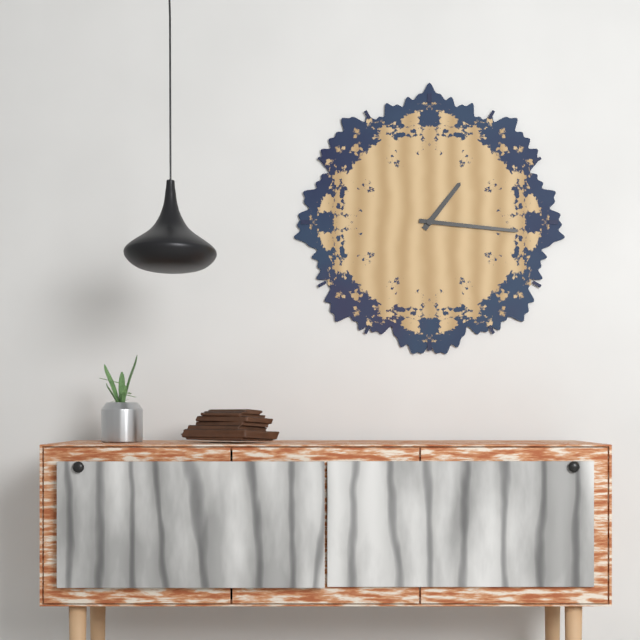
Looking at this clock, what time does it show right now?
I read 1:16
